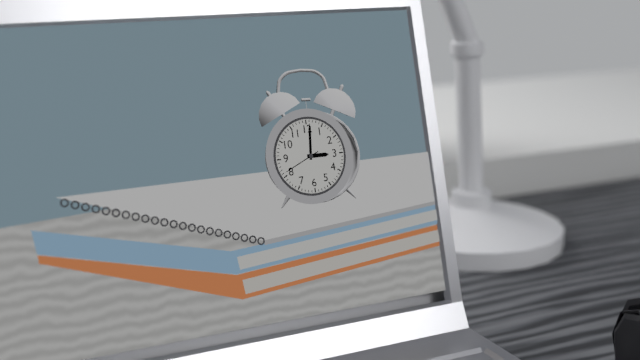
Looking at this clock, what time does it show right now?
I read 3:01
